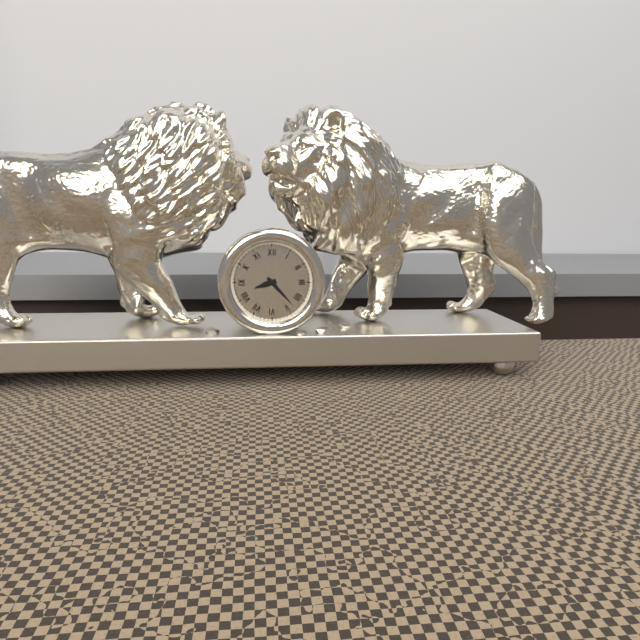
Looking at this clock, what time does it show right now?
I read 8:23
